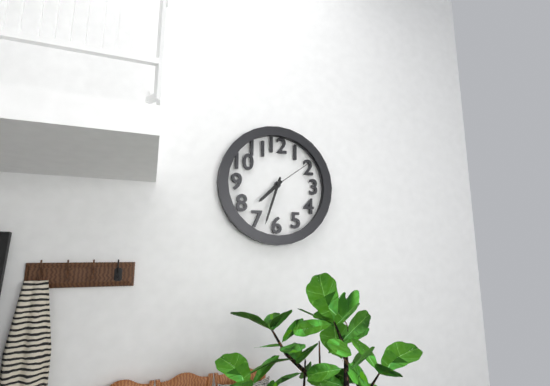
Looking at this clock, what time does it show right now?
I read 7:33:09
